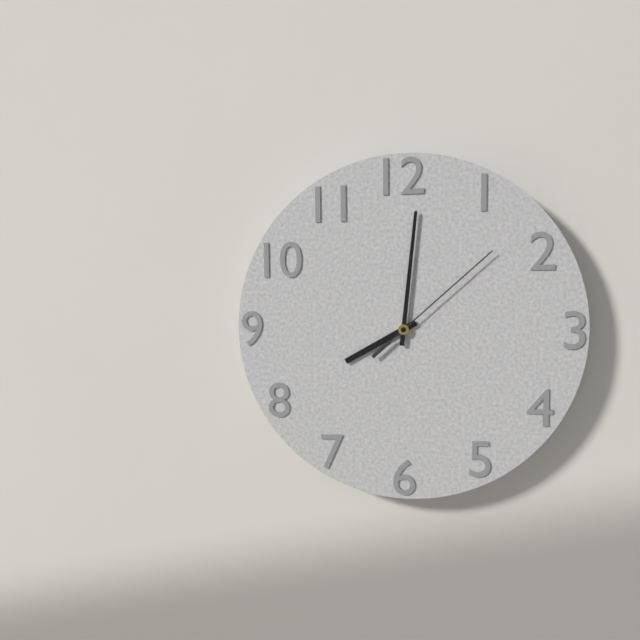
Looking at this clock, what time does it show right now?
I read 8:01:08
